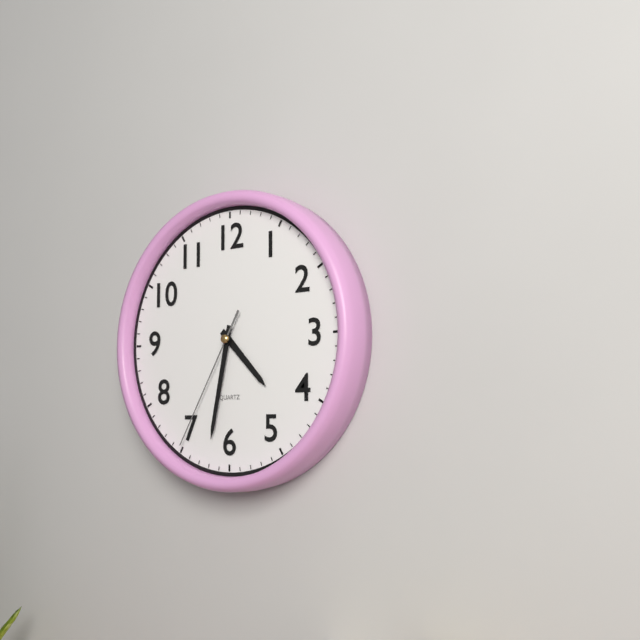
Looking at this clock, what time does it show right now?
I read 4:32:35
